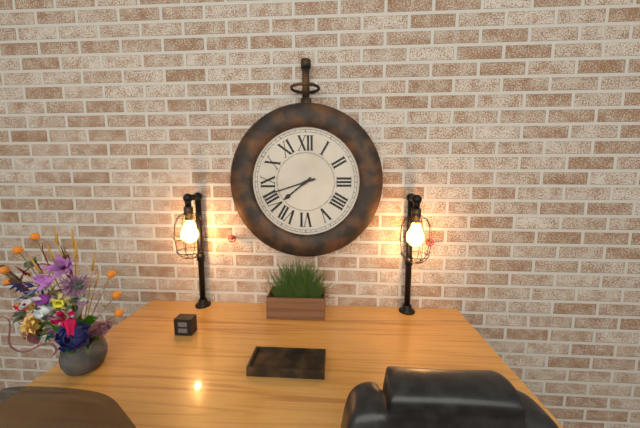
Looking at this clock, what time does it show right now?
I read 7:42
